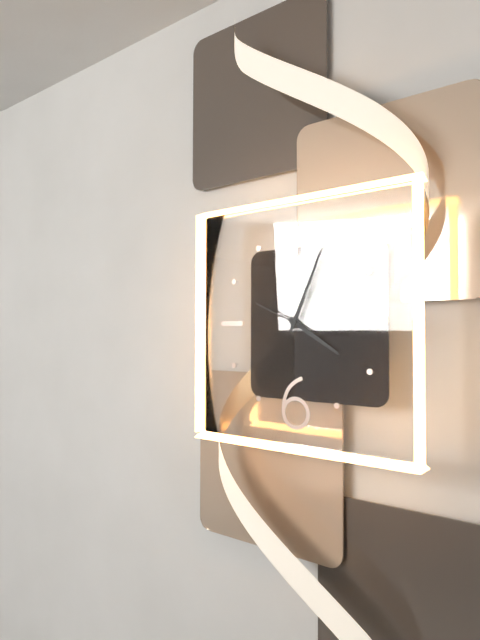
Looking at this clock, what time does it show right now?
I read 4:04:49
